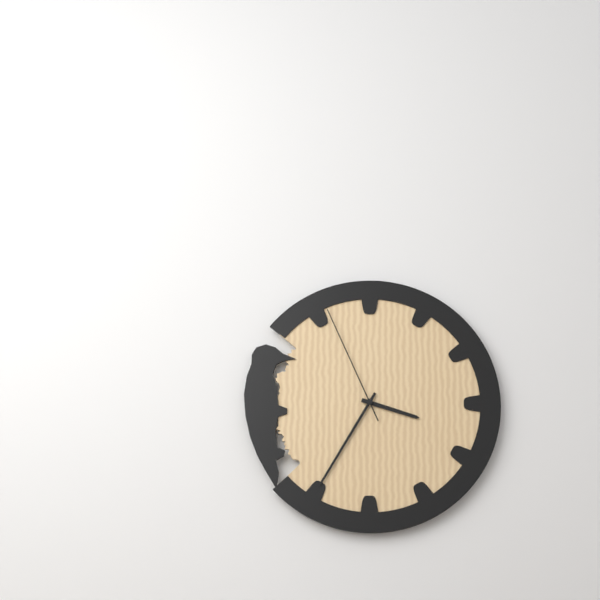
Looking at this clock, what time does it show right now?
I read 3:35:56
